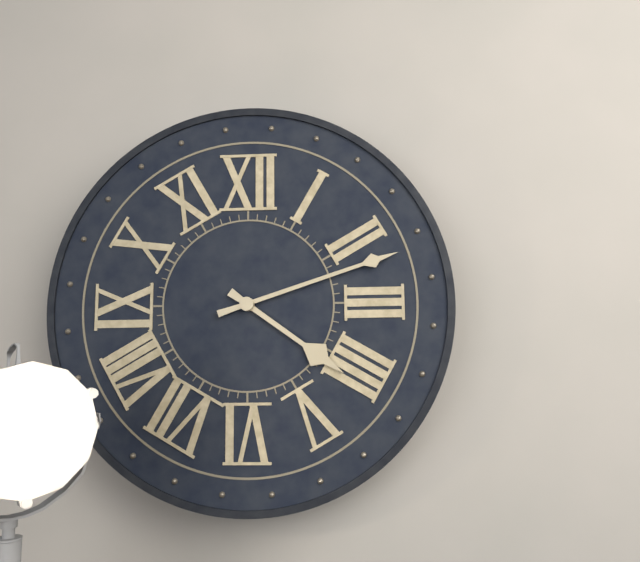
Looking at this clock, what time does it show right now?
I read 4:12
